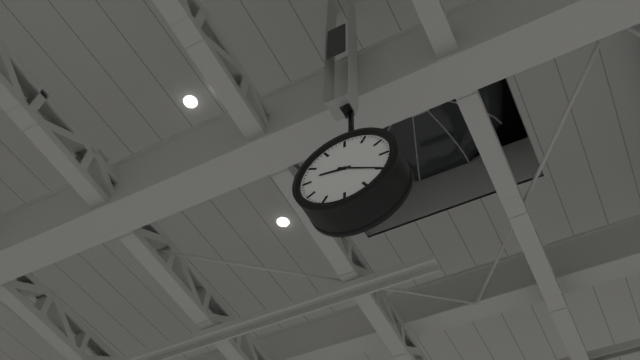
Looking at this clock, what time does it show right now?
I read 9:20
